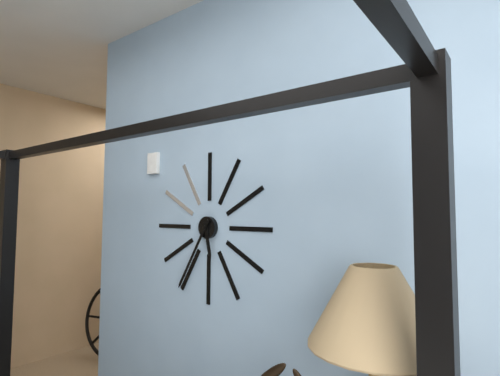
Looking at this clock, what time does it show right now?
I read 5:35
